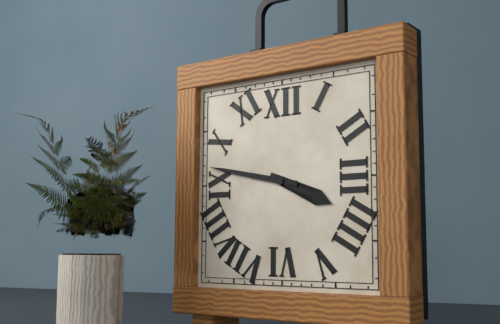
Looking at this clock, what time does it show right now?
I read 3:47
